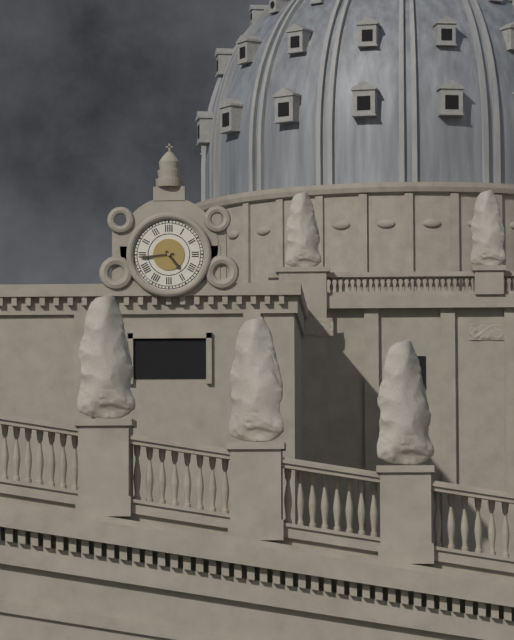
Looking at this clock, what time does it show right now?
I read 4:44
